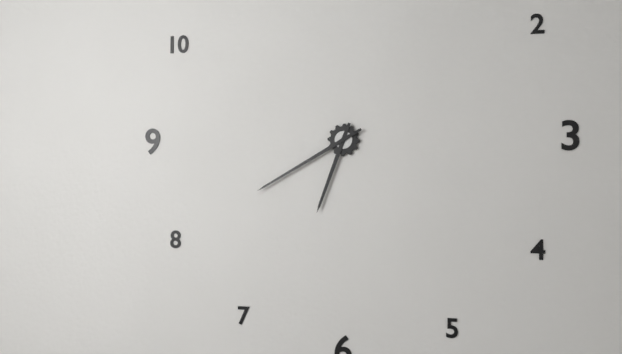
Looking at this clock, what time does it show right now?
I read 6:40
